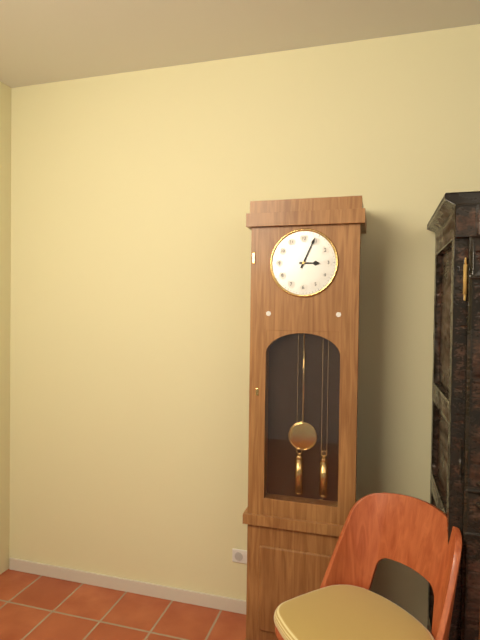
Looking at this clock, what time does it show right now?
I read 3:04
